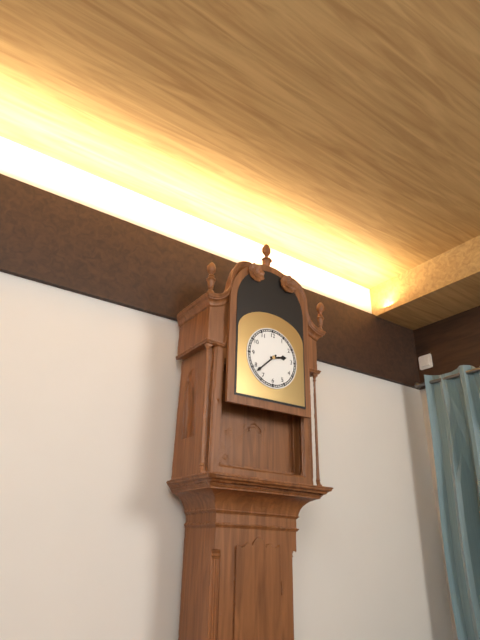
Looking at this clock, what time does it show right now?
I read 2:38
